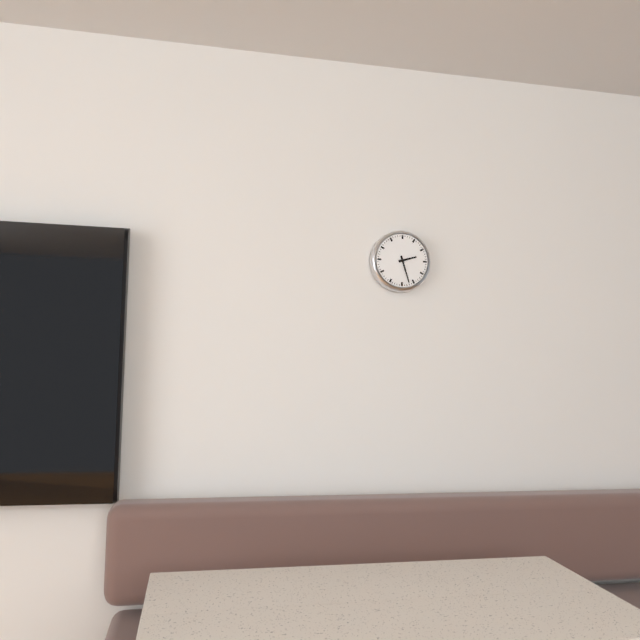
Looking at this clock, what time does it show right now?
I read 2:27
